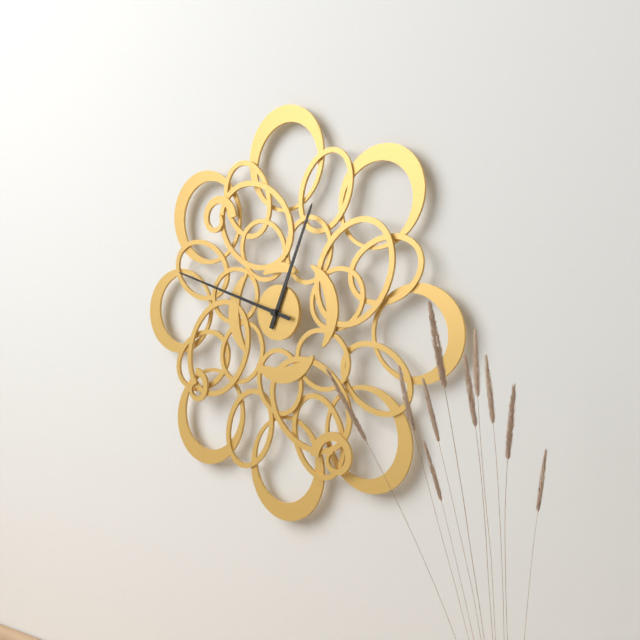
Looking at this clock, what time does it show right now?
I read 12:48
